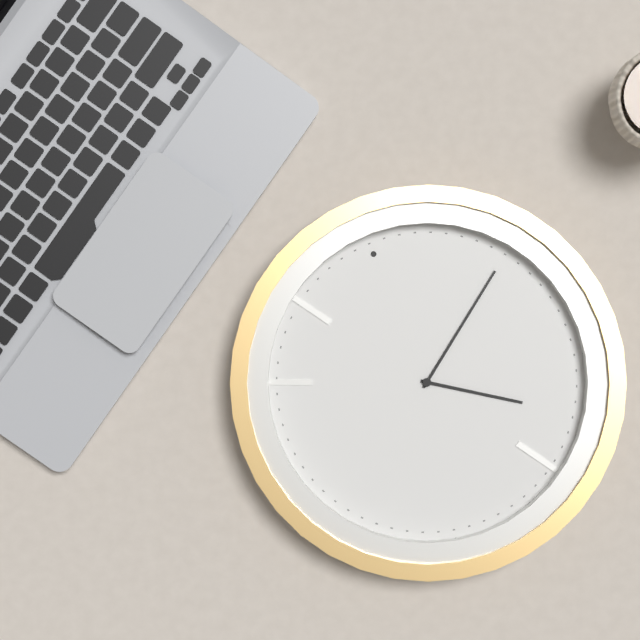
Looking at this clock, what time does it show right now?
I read 4:09
